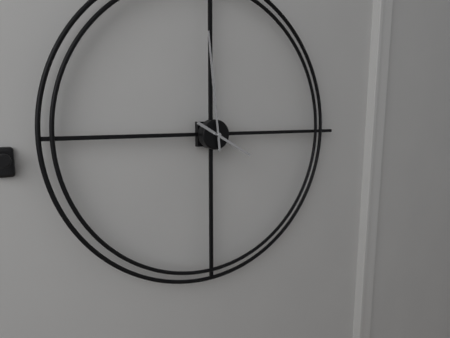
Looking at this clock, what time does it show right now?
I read 3:59
